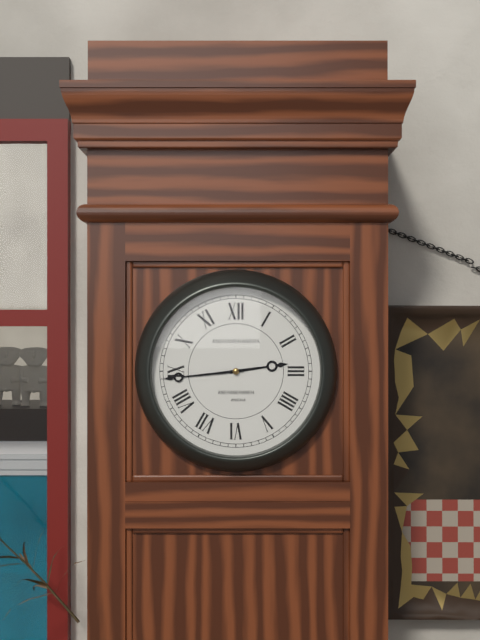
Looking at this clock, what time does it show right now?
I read 2:44
